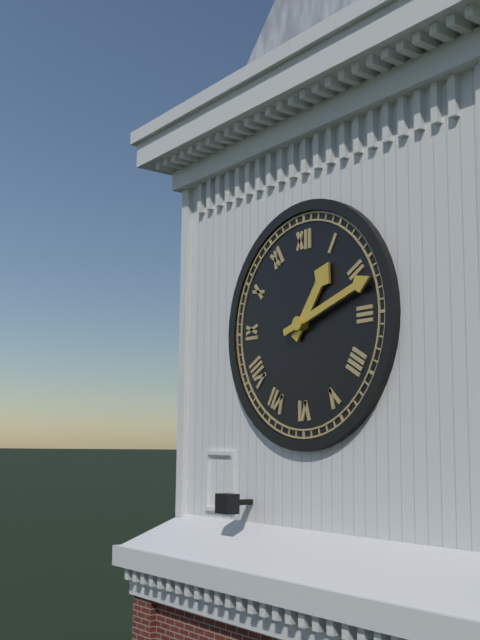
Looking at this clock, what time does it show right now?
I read 1:12
